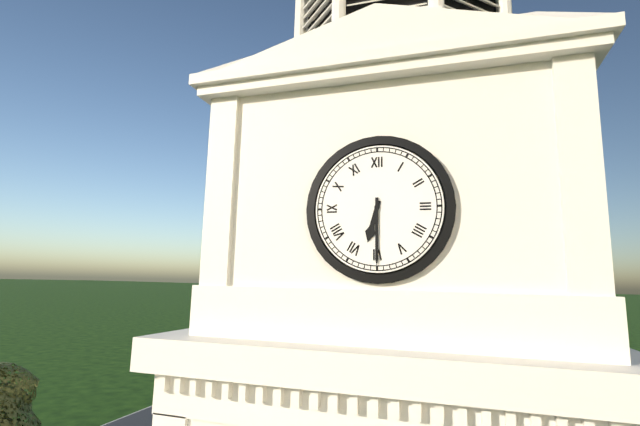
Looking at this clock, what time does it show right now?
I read 6:30
